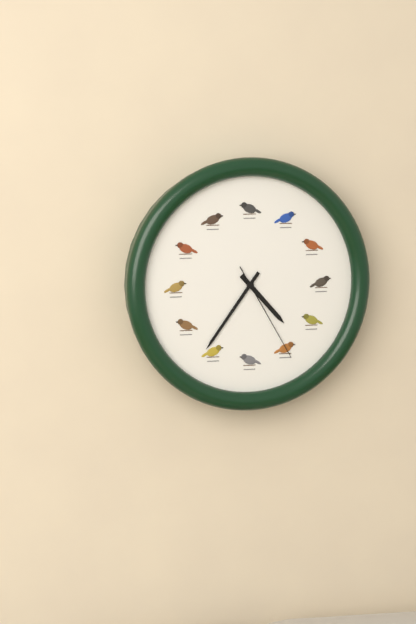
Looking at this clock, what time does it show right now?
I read 4:36:25
